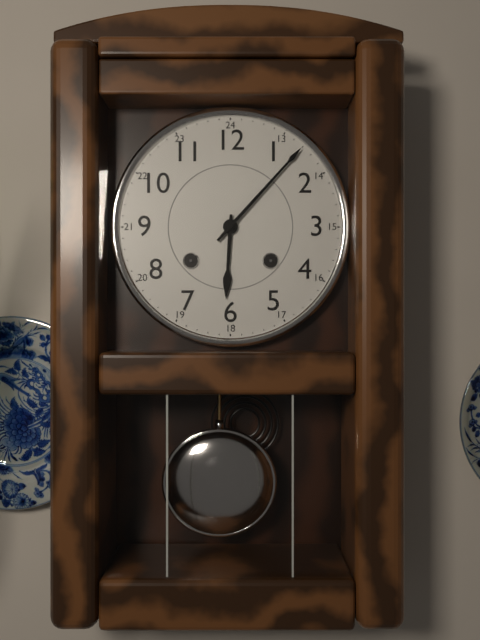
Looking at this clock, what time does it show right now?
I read 6:07
